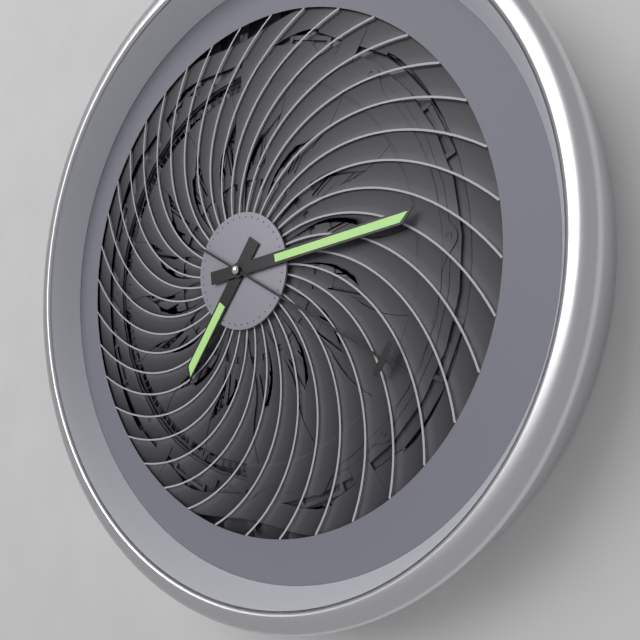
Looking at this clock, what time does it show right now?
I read 7:14:20
